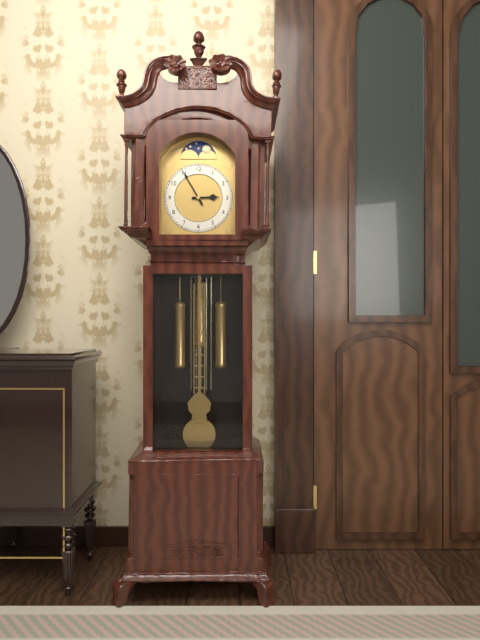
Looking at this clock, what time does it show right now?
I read 2:55
